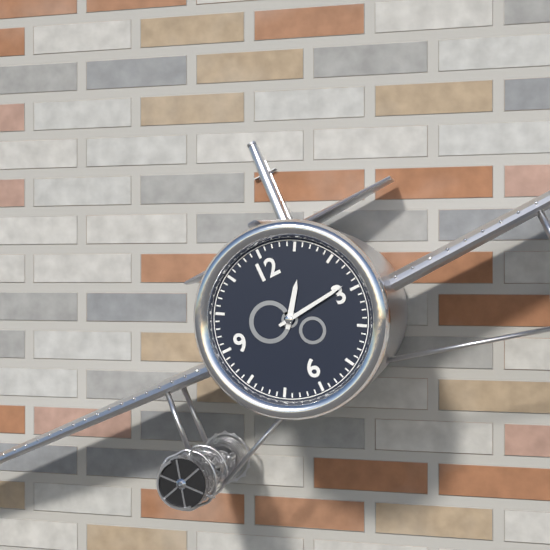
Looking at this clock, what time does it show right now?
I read 1:14
